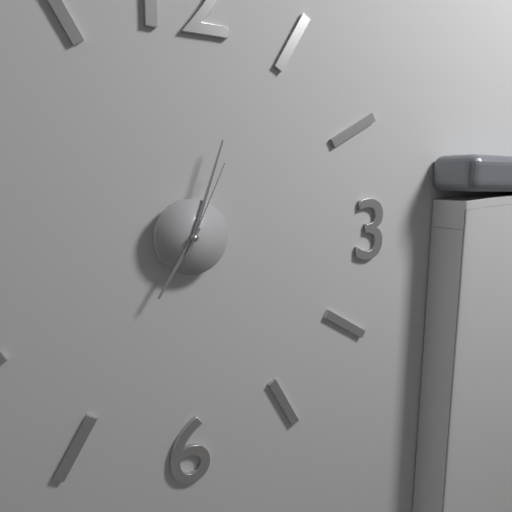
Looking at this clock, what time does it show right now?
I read 7:03:04
